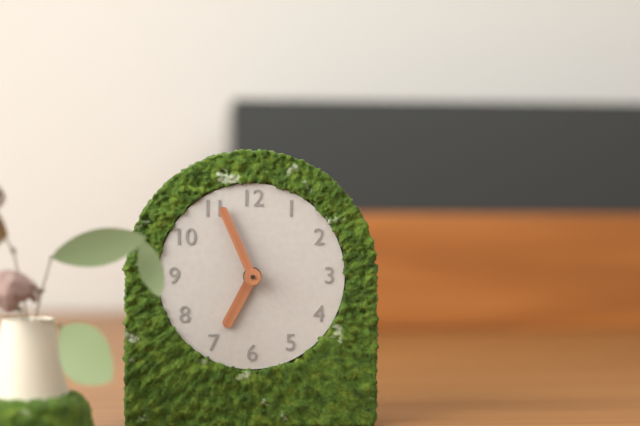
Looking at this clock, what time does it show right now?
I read 6:56
